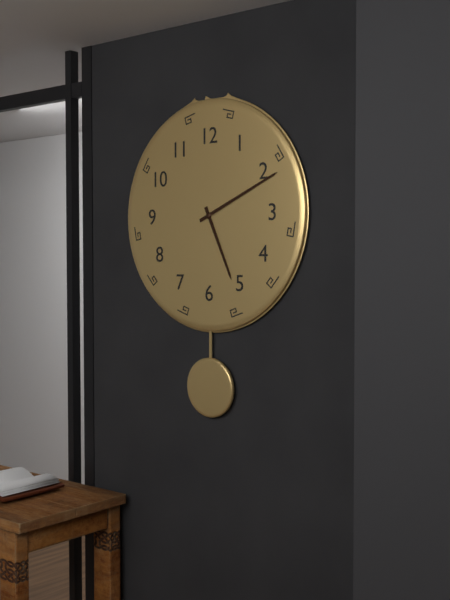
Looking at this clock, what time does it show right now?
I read 5:11
